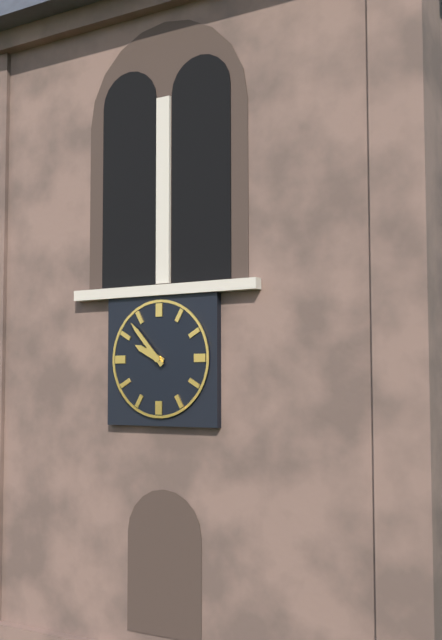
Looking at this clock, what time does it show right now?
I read 9:53
